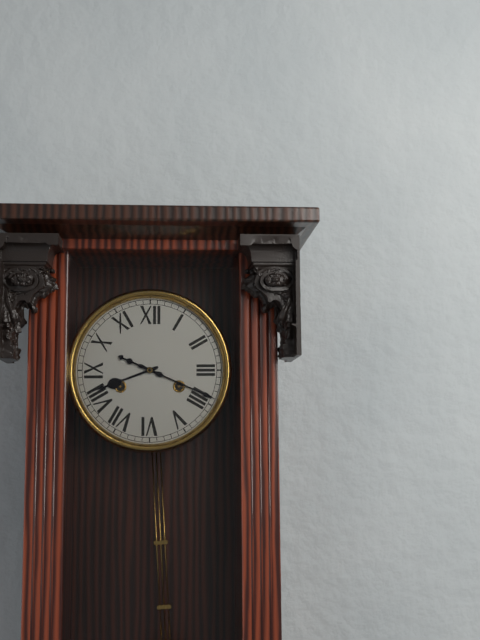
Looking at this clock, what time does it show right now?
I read 8:19
